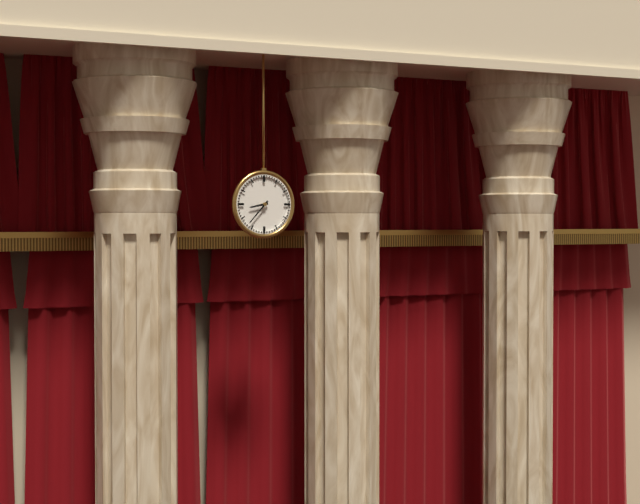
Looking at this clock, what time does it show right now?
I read 8:37
